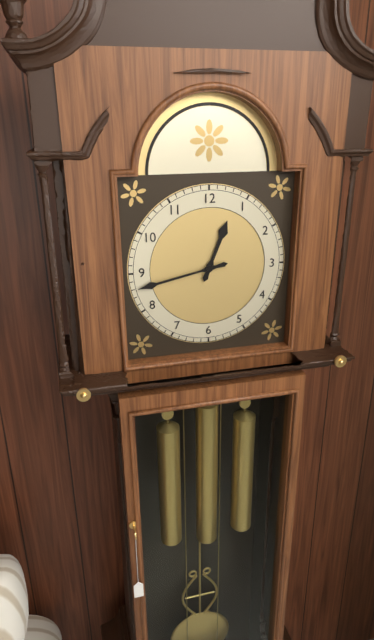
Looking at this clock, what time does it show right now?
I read 12:43
